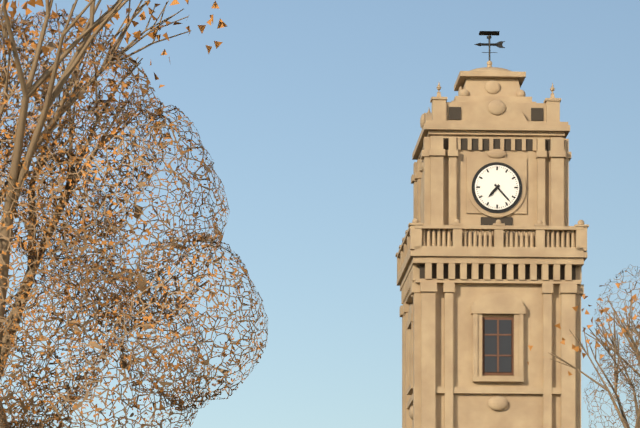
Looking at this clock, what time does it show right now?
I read 7:23
